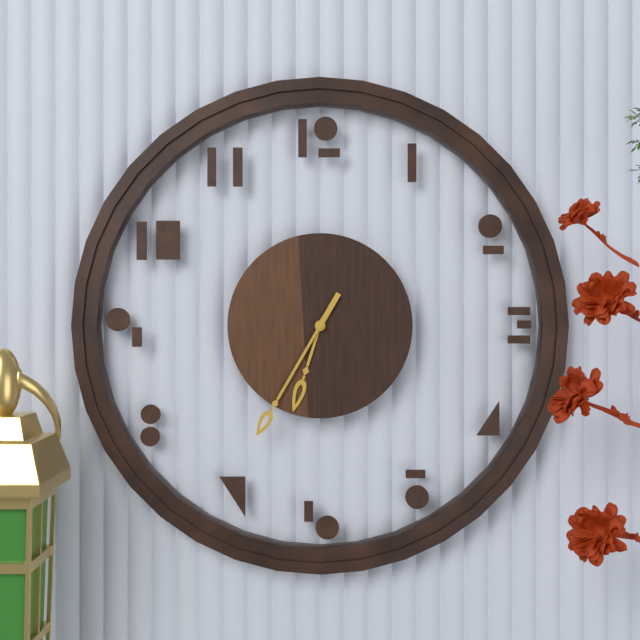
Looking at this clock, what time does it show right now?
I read 6:35
